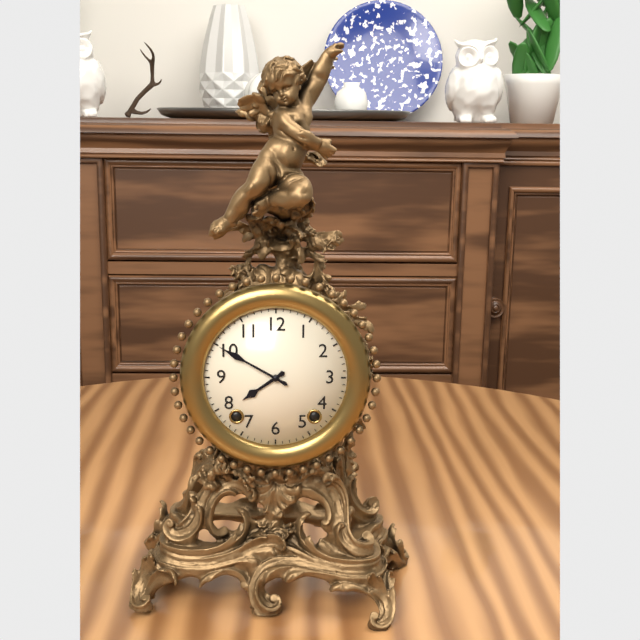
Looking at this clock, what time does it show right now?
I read 7:50
